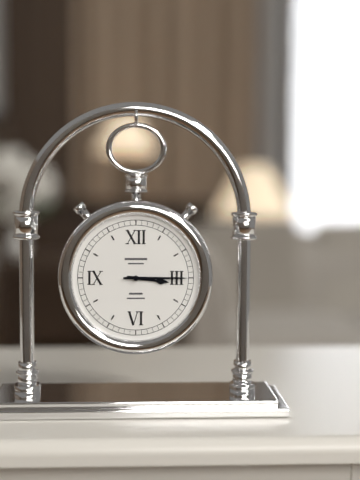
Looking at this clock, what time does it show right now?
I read 3:15
